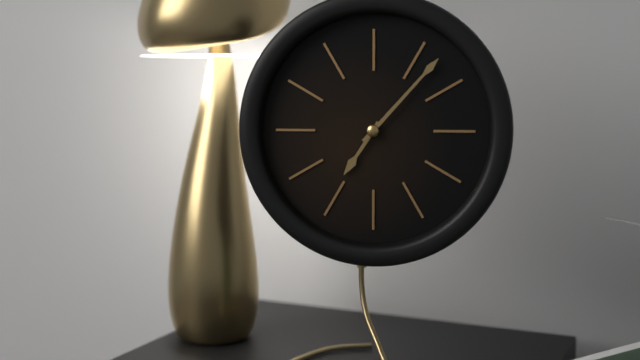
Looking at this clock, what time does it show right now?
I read 7:07
